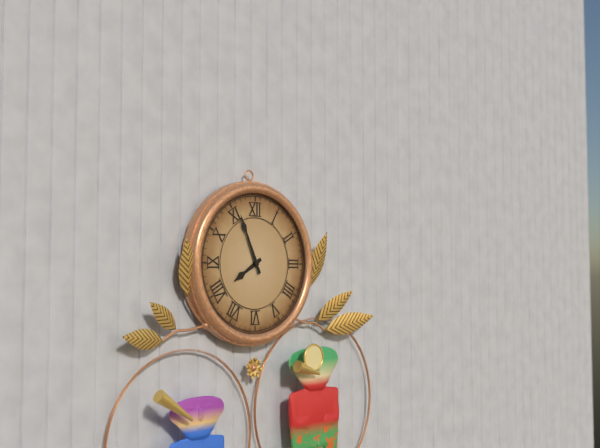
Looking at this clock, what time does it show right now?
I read 7:56
